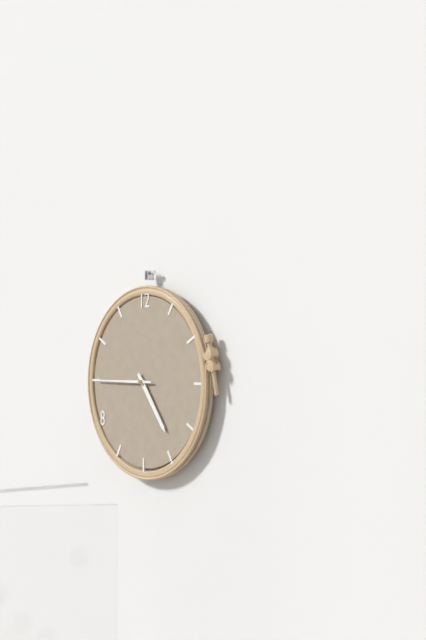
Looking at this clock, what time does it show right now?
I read 4:45
